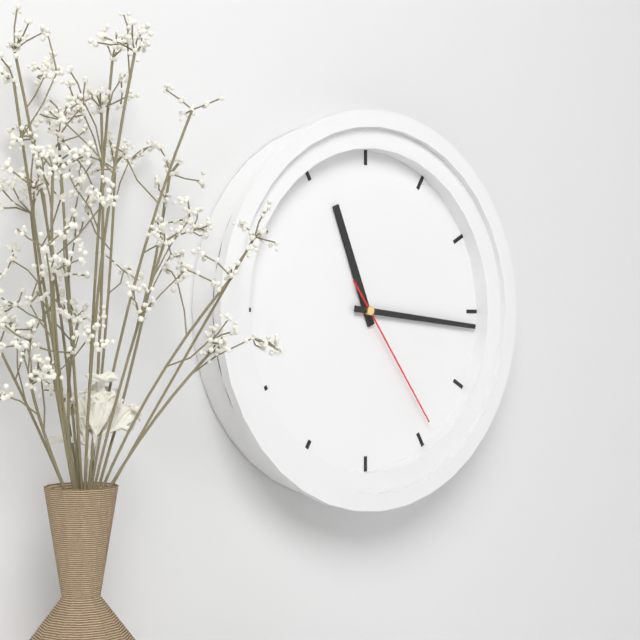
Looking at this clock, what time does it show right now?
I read 11:16:24
